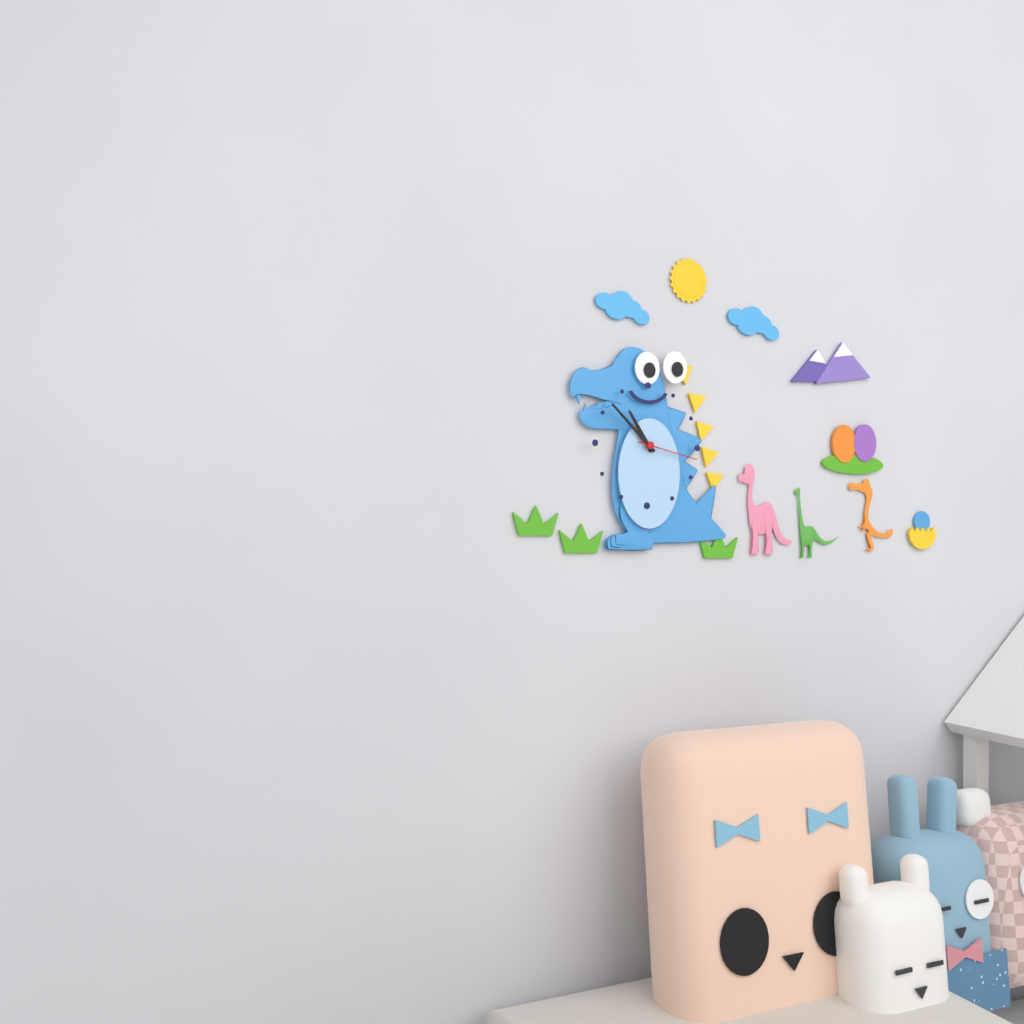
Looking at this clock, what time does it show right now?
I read 10:52:17
